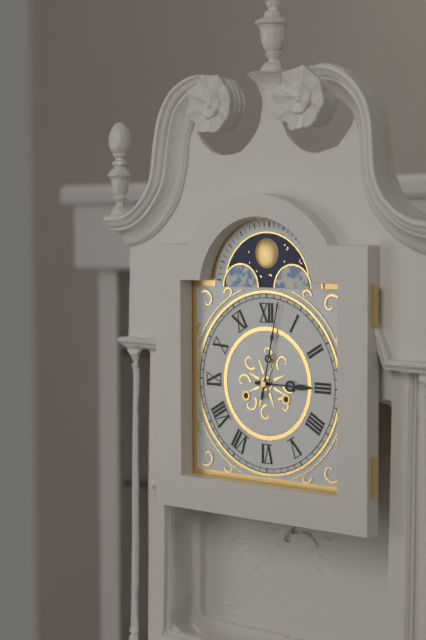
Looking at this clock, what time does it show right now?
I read 3:02
